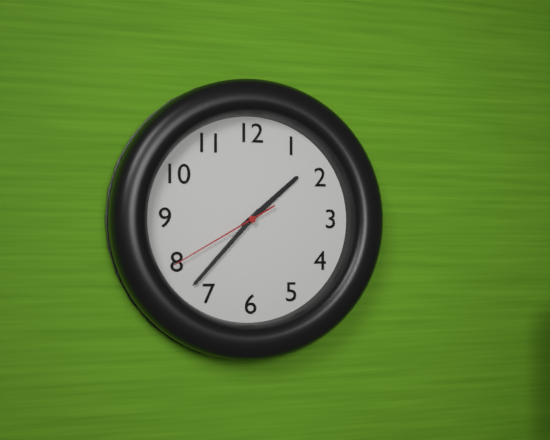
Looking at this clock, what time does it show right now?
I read 1:37:40
